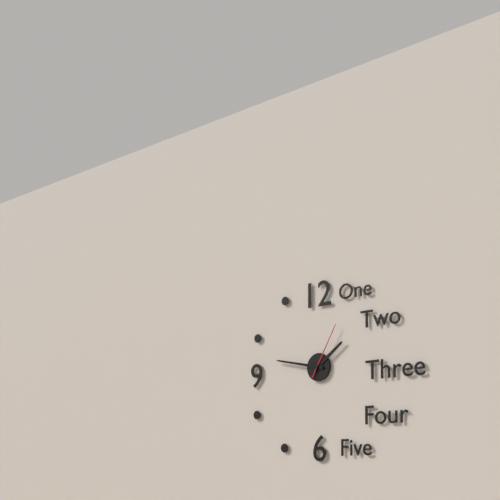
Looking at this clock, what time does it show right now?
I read 1:47:05
